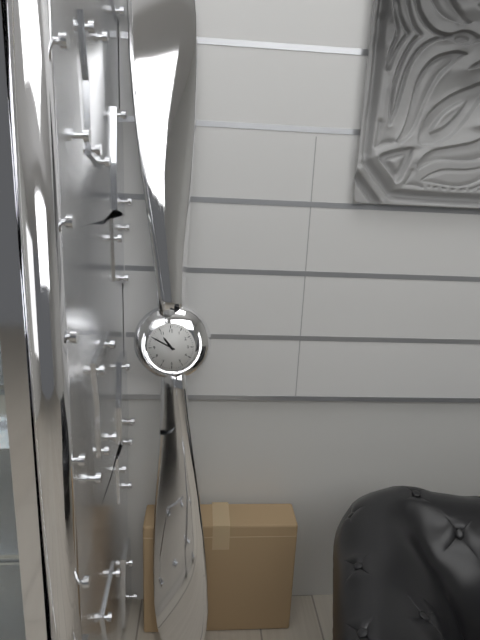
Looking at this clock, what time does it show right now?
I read 10:50
